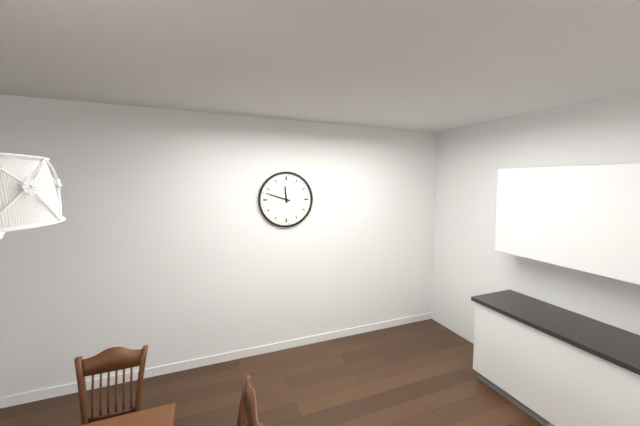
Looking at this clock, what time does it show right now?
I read 11:48
